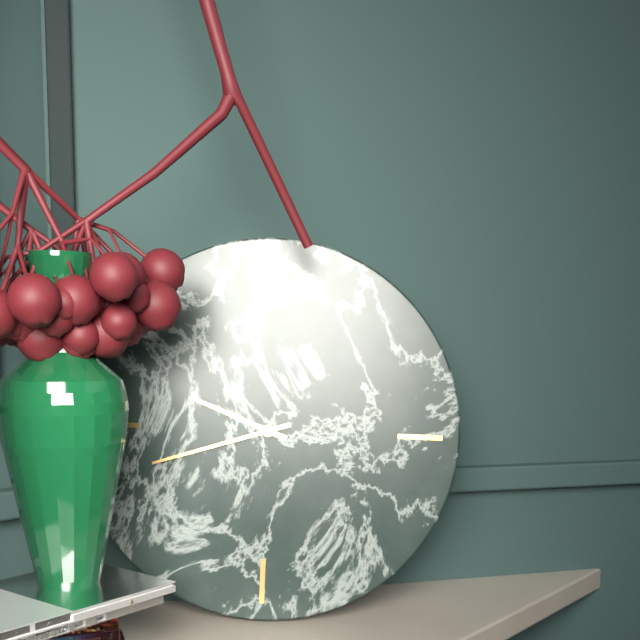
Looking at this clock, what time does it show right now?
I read 9:42
